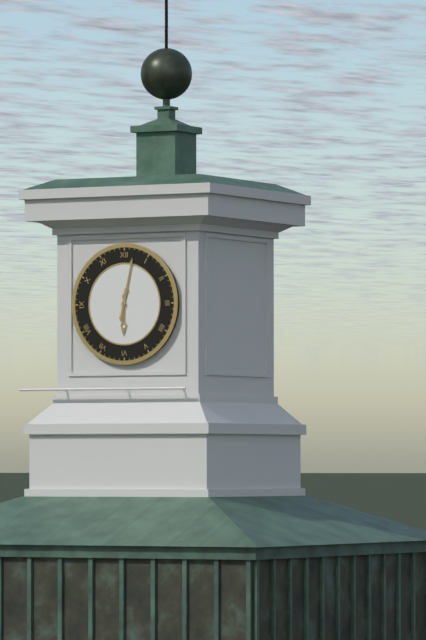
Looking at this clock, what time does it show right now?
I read 6:02
